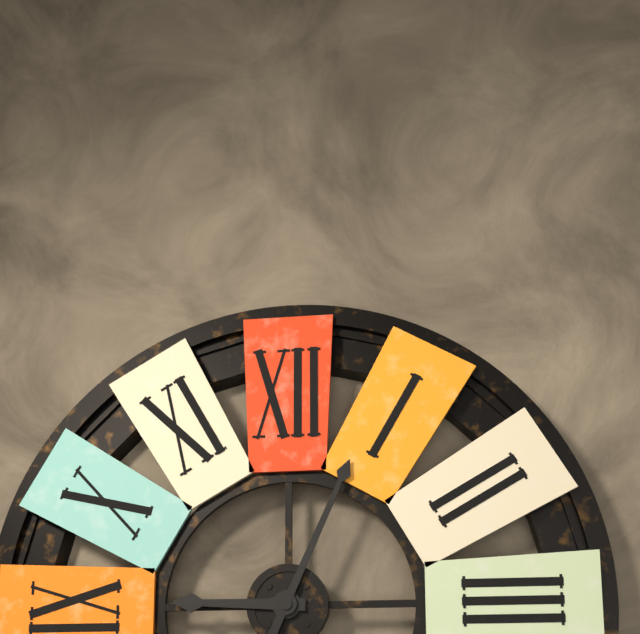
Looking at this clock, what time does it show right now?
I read 9:04
